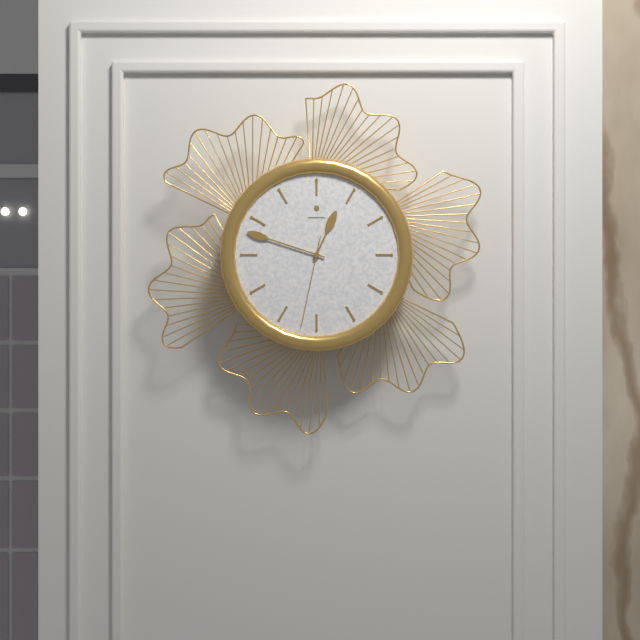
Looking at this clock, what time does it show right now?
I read 12:48:32
